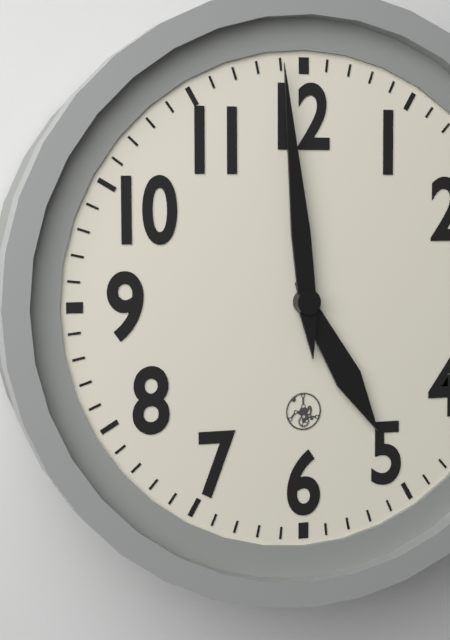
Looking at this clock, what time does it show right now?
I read 4:59
